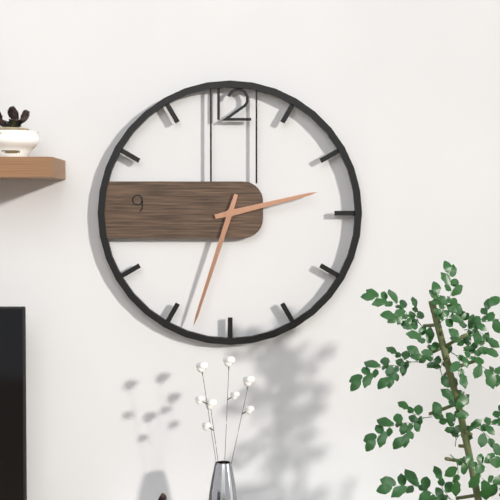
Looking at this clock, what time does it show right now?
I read 2:33
